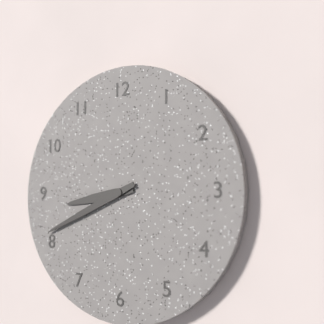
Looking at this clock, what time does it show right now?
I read 8:41
